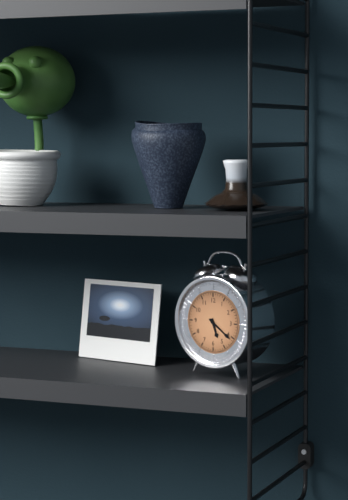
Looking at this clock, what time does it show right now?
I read 5:21
